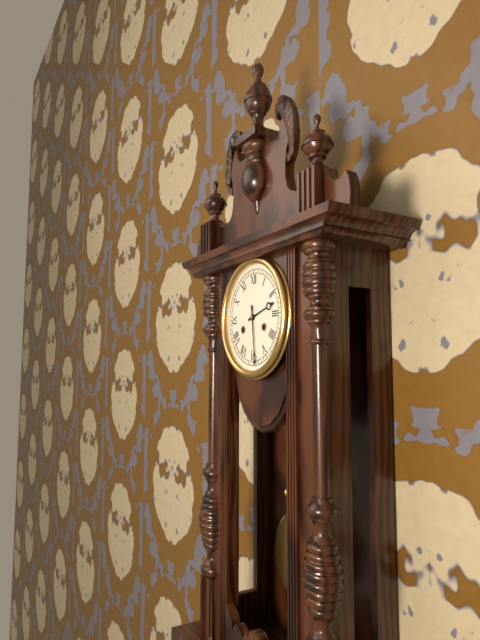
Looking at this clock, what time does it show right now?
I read 2:29
